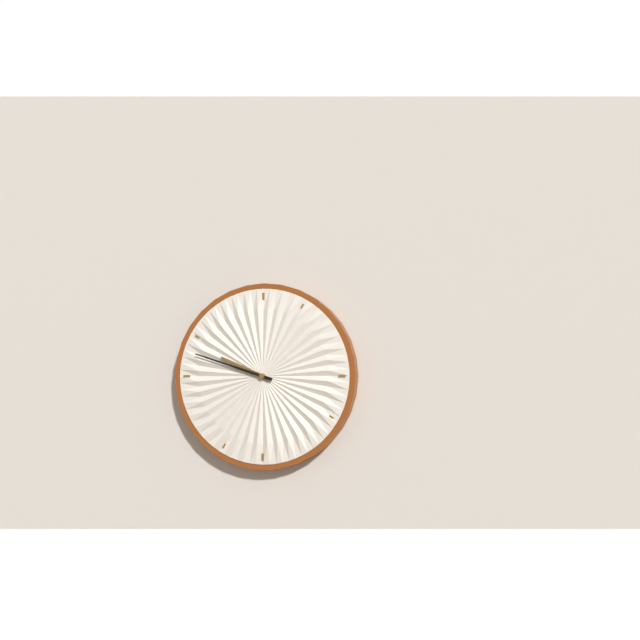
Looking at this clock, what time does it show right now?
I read 9:48
